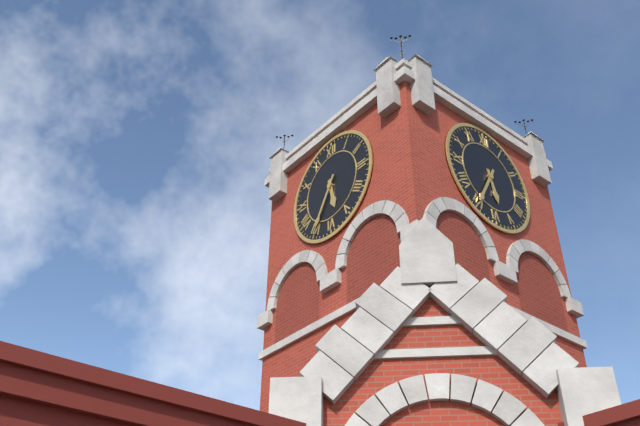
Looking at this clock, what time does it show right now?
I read 5:35
